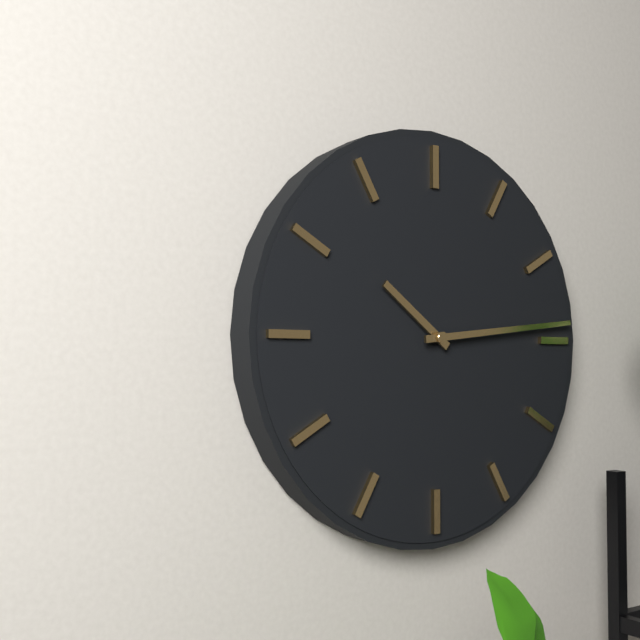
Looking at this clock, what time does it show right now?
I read 10:14
